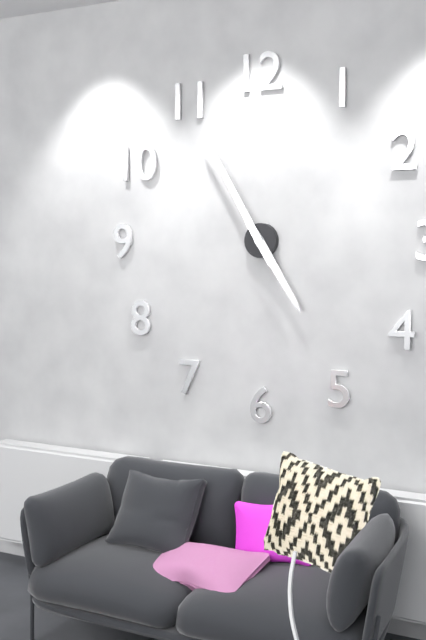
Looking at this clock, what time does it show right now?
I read 4:55
